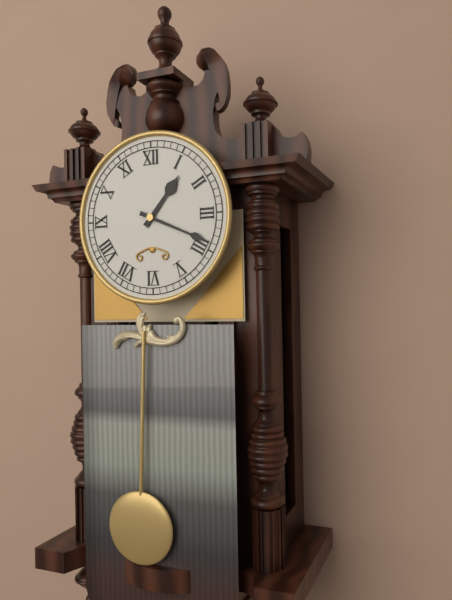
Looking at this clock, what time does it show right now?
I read 1:19
